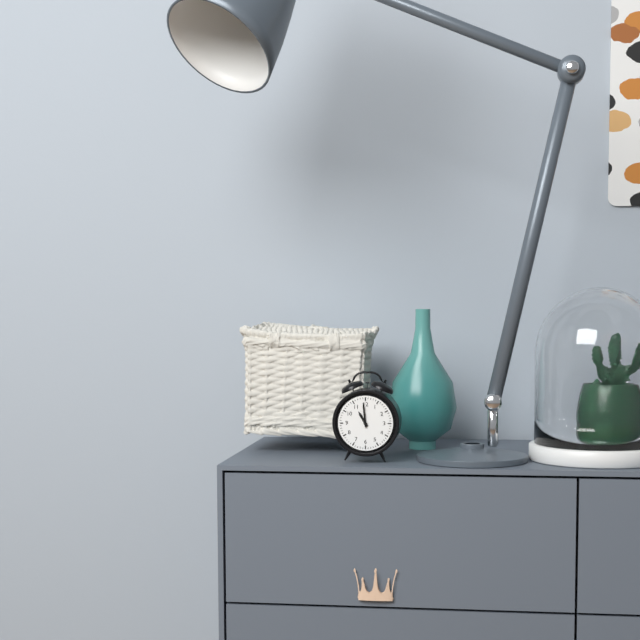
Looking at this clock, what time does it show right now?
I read 10:59
